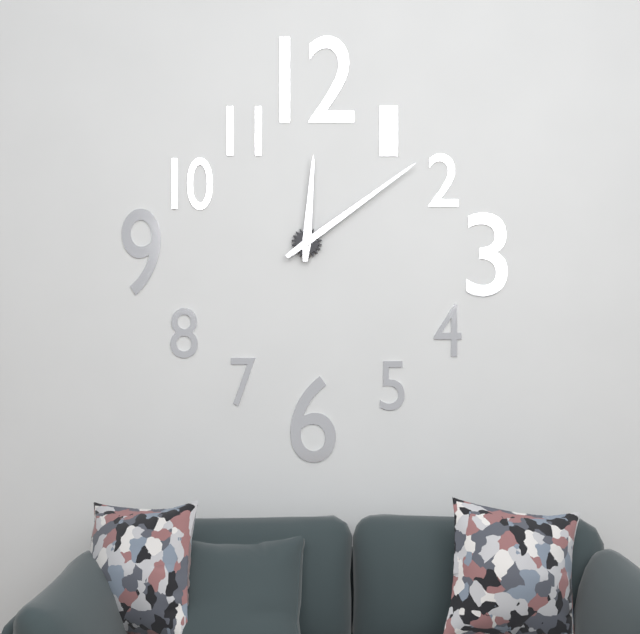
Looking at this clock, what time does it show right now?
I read 12:09
